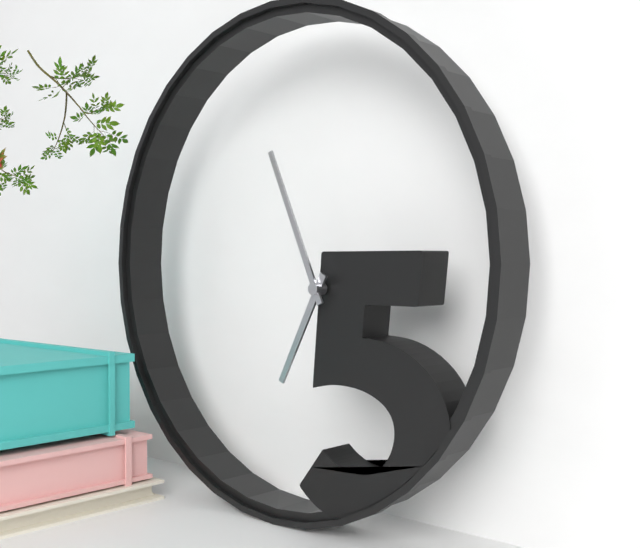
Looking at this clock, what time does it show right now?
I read 6:56
